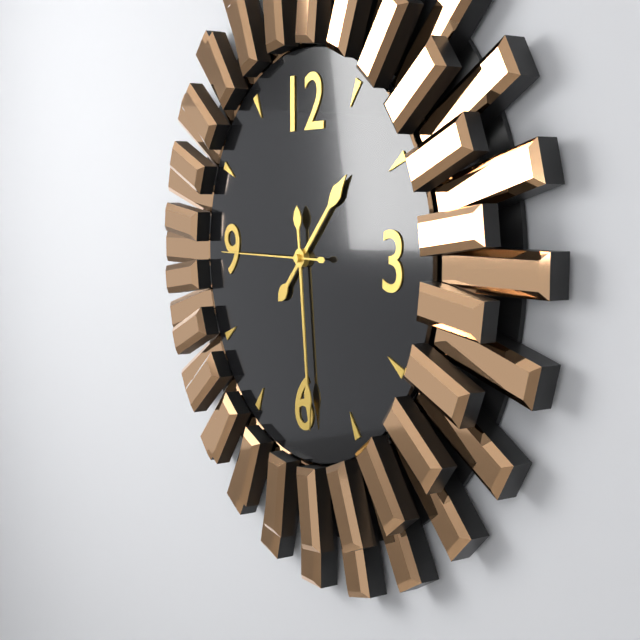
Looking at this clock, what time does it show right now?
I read 1:29:45
